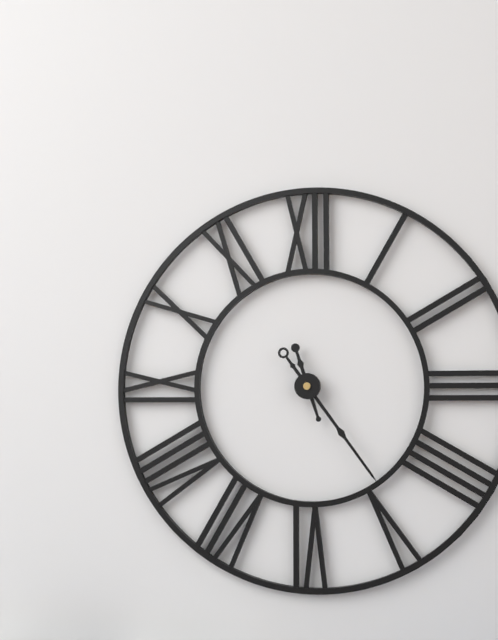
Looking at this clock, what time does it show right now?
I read 11:24
